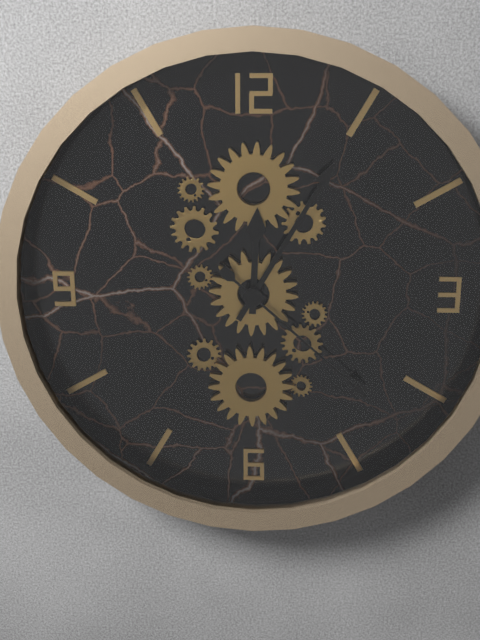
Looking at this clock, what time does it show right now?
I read 12:05:22
